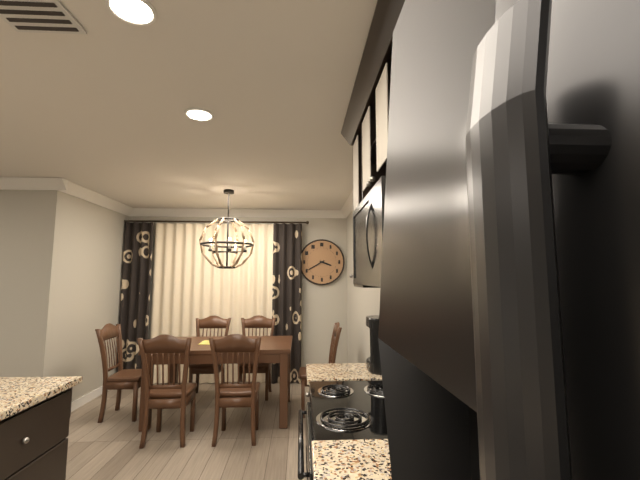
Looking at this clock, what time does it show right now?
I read 3:40
